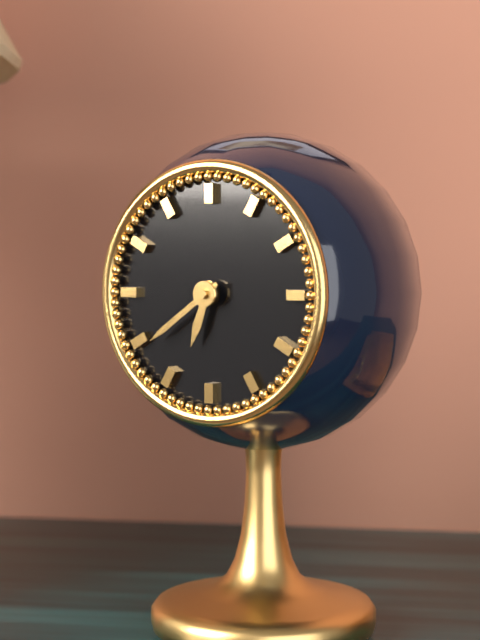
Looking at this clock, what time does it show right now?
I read 6:39
